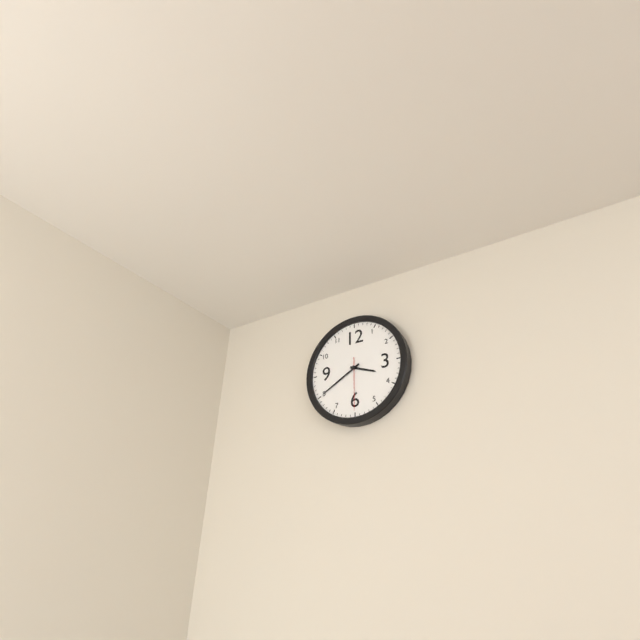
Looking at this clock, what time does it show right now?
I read 3:40:30
